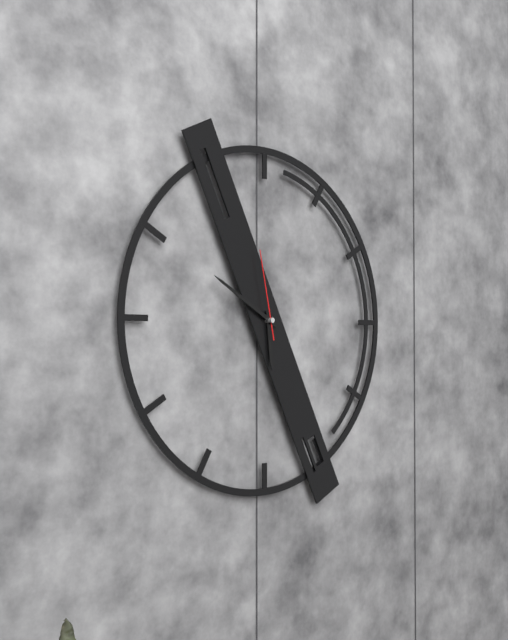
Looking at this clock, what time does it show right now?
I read 5:50:58
